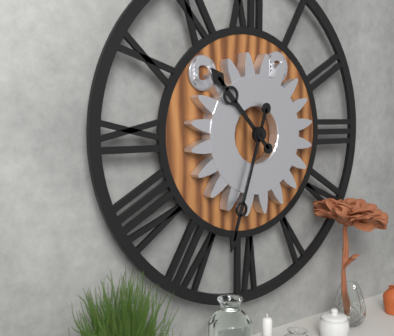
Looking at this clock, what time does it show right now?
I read 10:33
